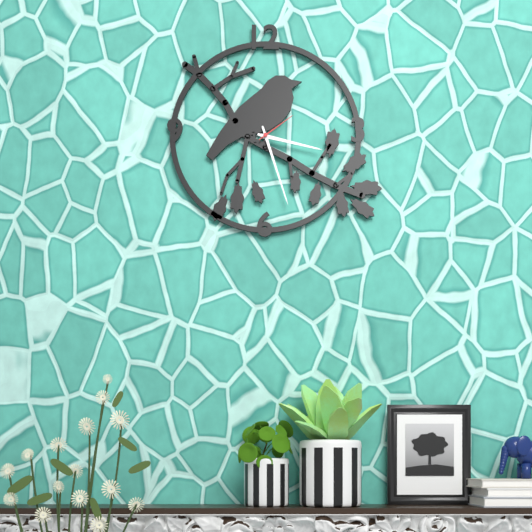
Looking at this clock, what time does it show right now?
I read 3:27
